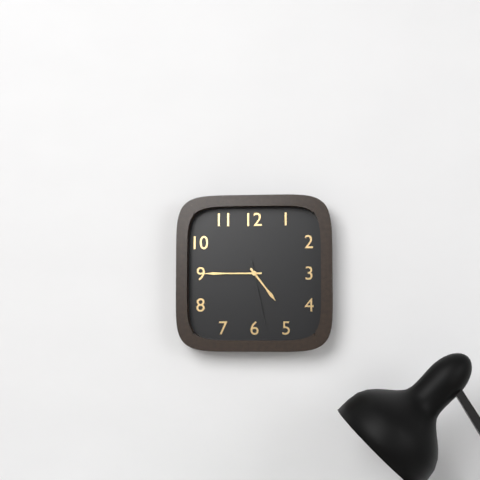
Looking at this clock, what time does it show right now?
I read 4:45:28
